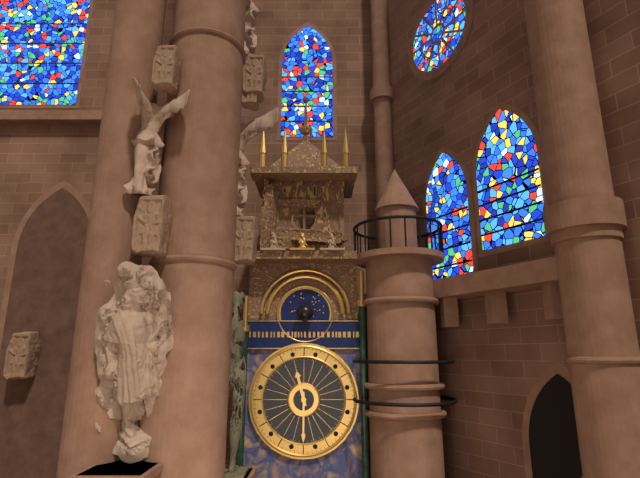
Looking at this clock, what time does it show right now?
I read 11:30
